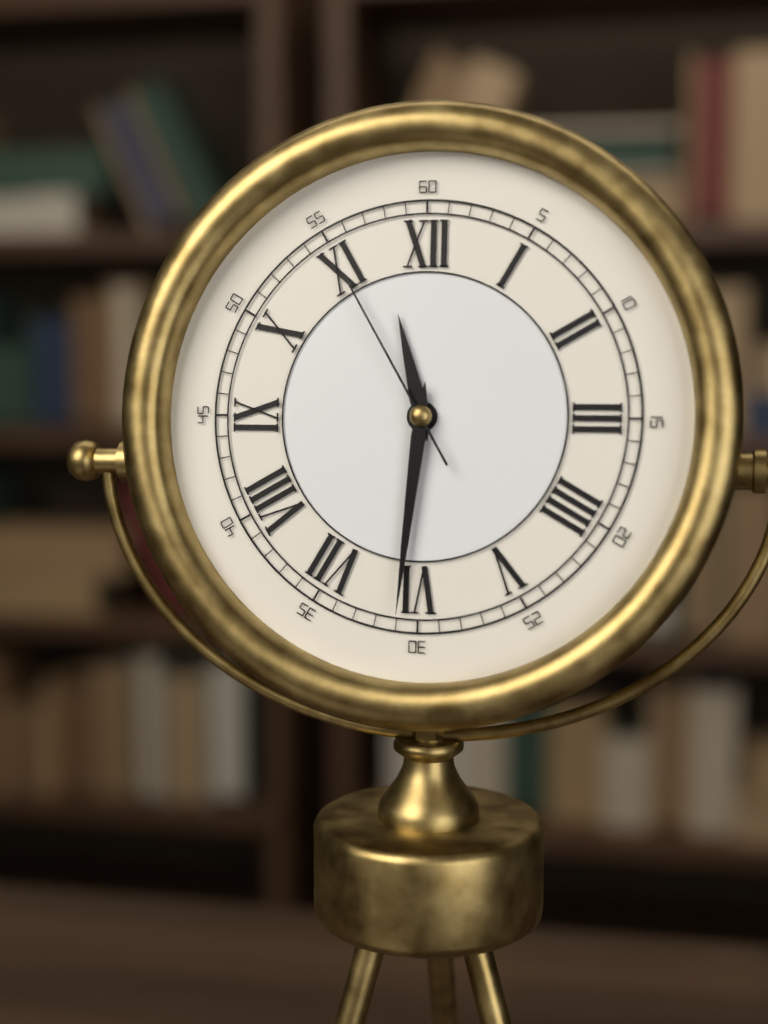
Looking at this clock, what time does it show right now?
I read 11:31:55
